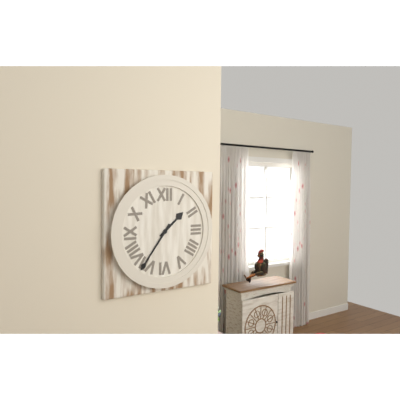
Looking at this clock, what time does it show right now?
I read 1:36
